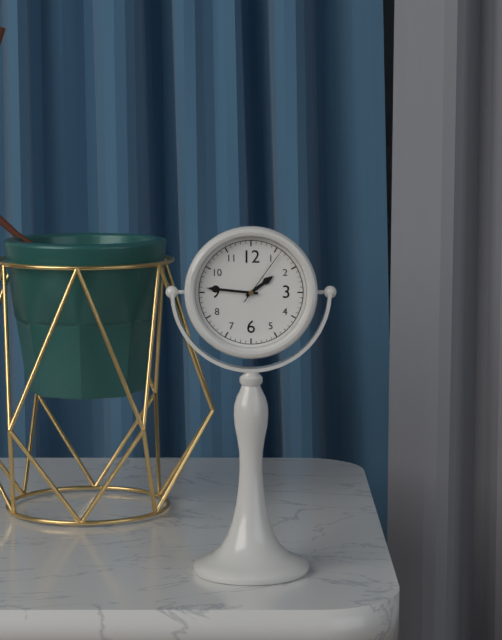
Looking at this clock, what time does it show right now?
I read 1:46:06
